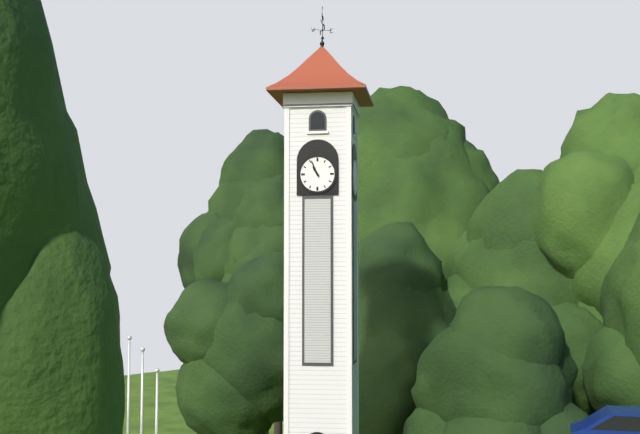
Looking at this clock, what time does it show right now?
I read 10:56
